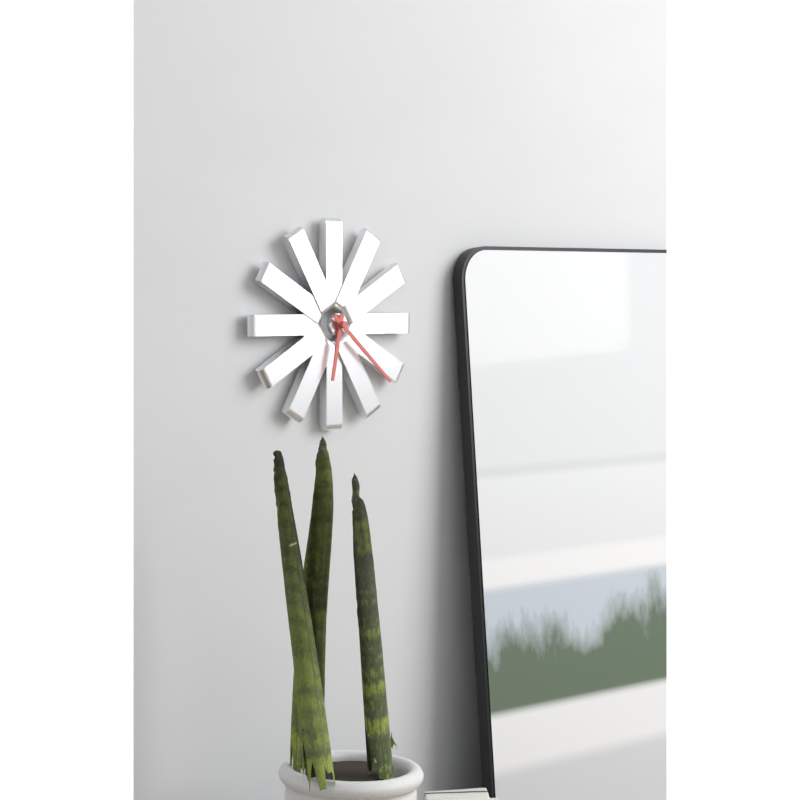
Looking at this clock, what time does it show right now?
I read 6:22
